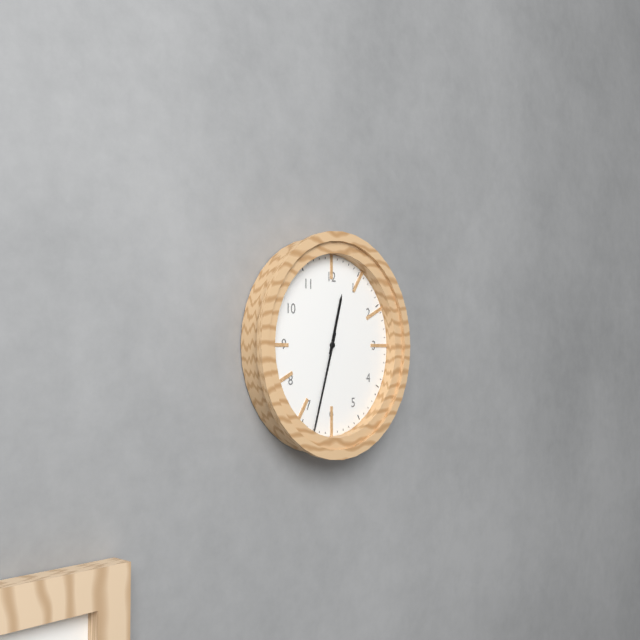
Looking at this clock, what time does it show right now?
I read 12:33
